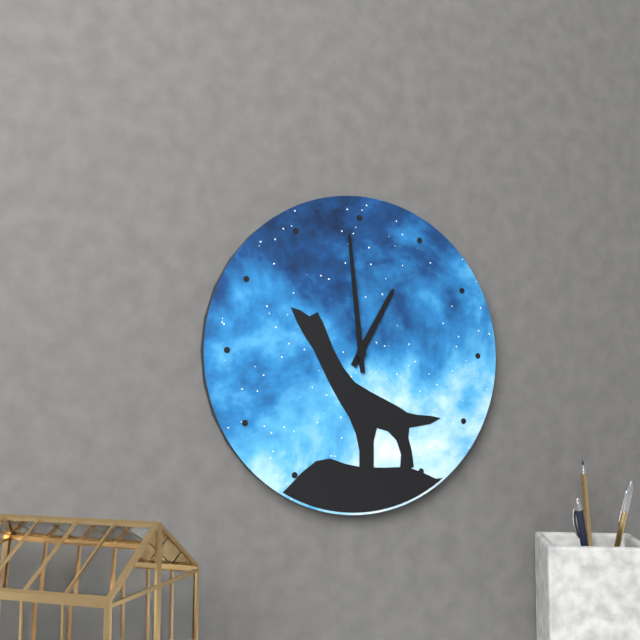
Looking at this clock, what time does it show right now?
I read 12:59
